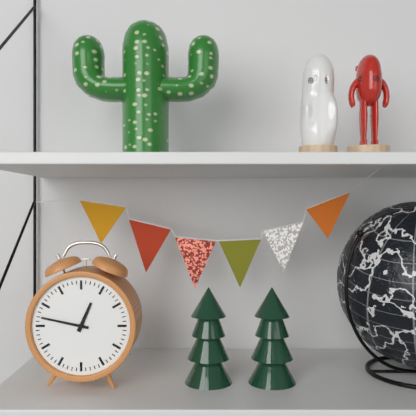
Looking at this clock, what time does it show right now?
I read 12:47
